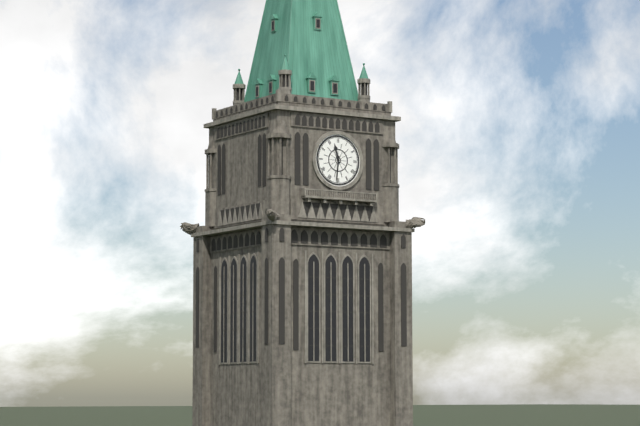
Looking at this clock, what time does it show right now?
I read 11:31
